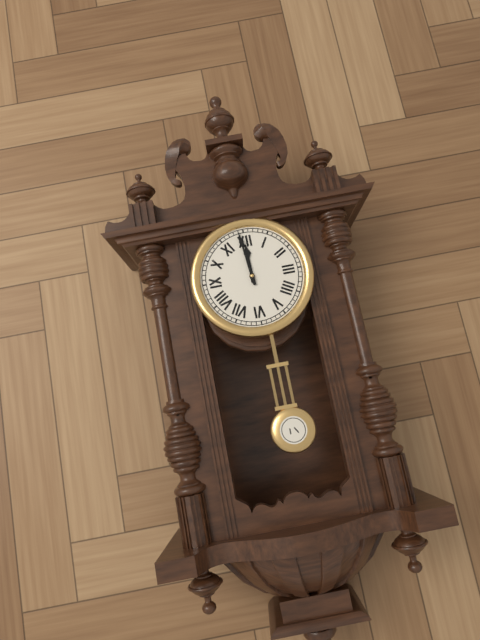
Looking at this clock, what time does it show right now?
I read 11:59
